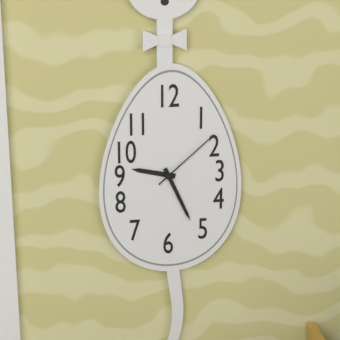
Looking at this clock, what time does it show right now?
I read 9:26:08
